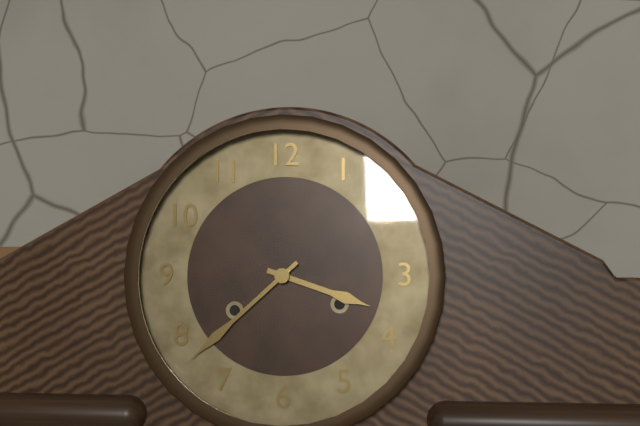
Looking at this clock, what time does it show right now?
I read 3:38
